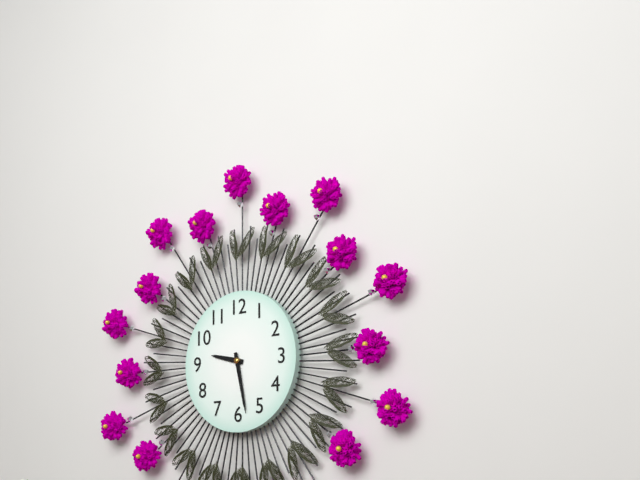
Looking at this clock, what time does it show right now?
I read 9:28
